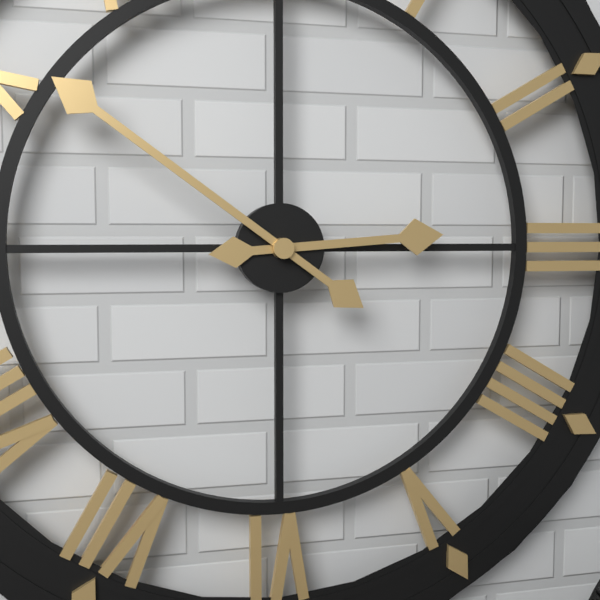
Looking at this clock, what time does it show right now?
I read 2:51
